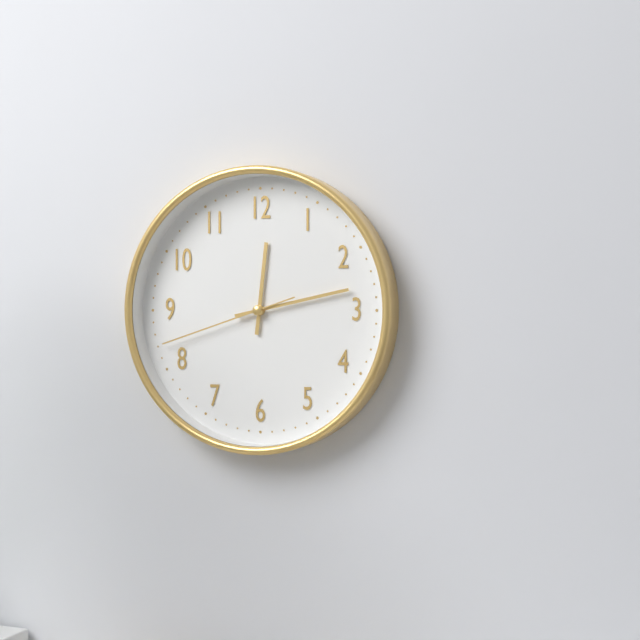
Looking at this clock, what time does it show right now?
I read 12:13:42
